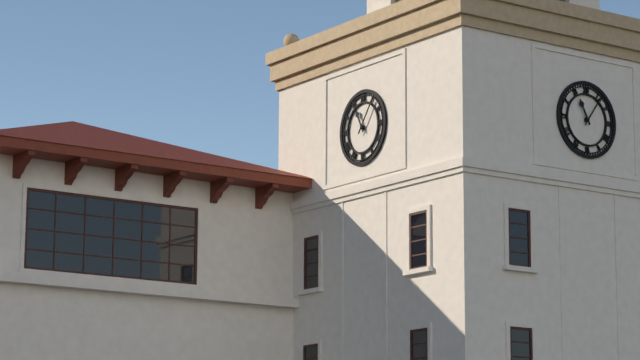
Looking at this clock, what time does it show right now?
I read 11:06
